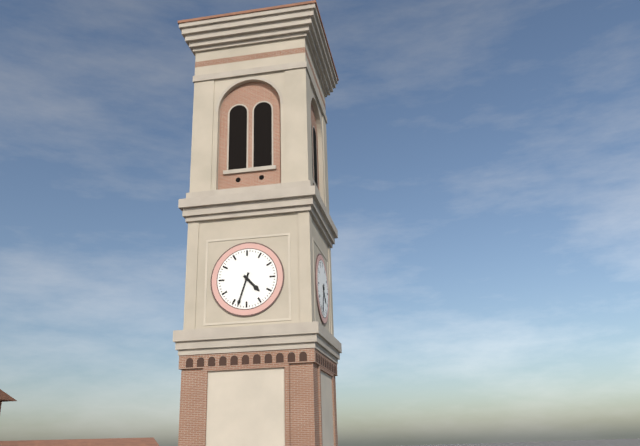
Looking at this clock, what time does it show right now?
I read 4:33
